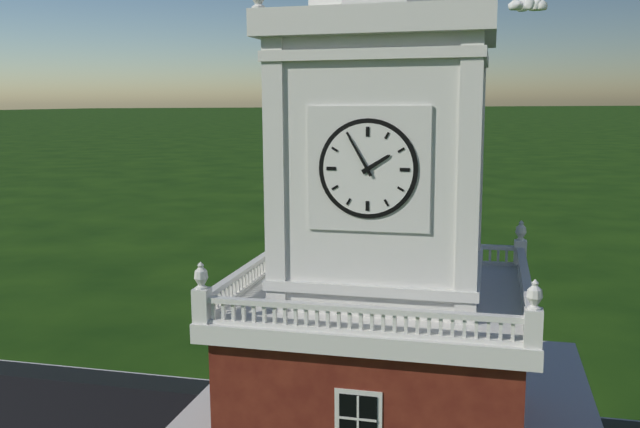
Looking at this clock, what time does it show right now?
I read 1:55
